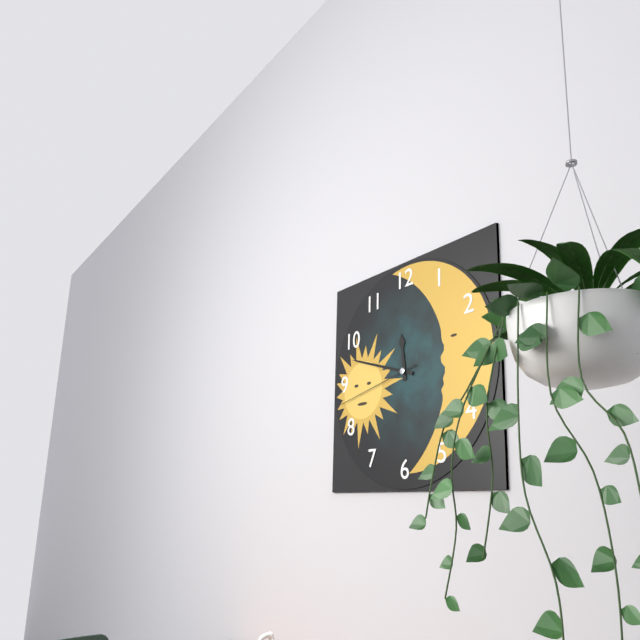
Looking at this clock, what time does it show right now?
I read 11:48:43
